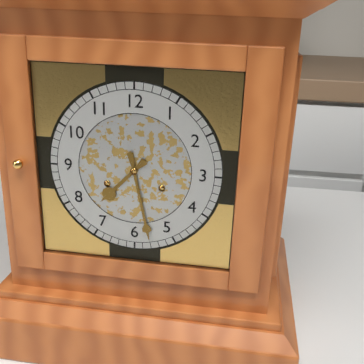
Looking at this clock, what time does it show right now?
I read 7:28
